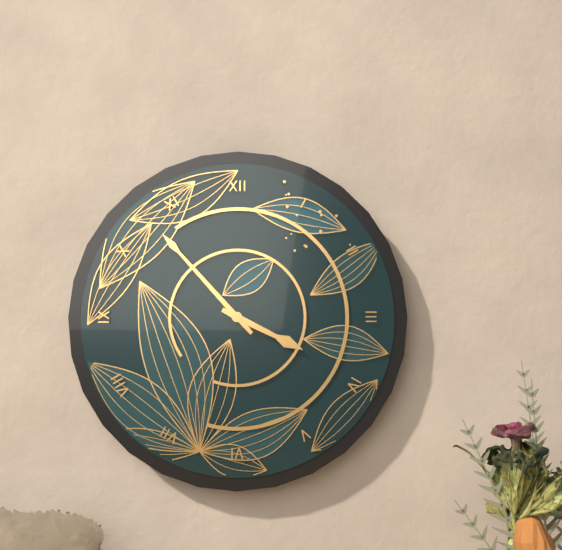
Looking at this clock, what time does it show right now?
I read 3:53
